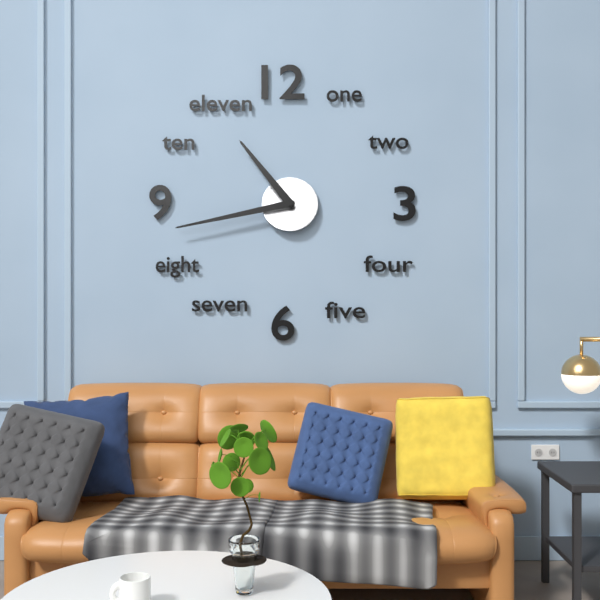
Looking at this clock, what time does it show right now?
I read 10:43
